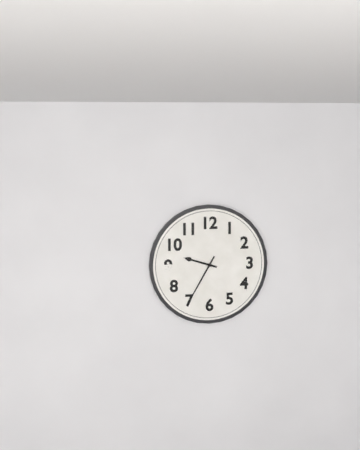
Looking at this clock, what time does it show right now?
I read 9:35
